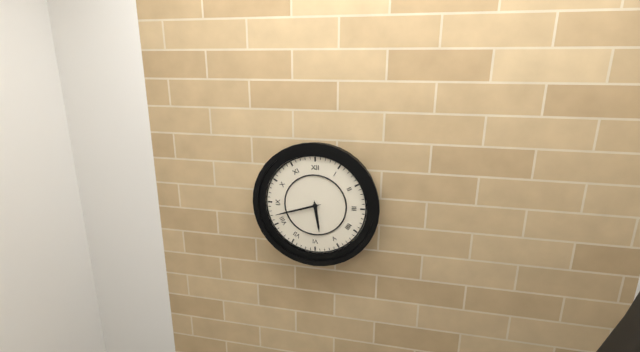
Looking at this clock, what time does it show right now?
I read 5:42
